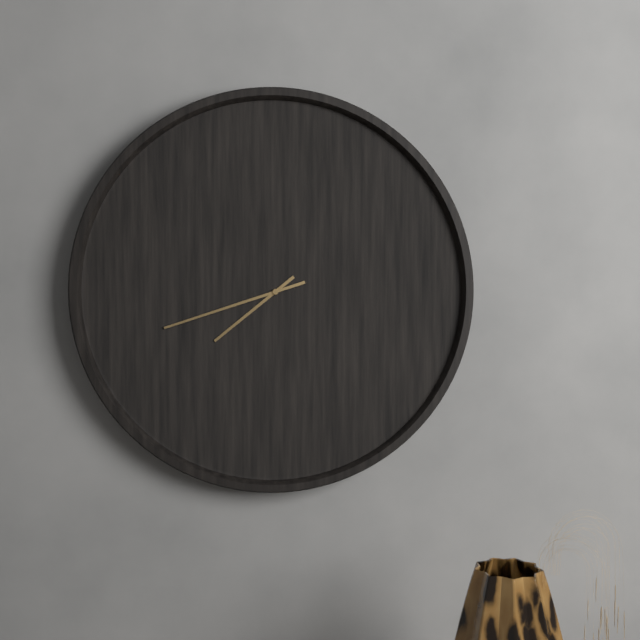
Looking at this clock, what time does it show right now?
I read 7:42
